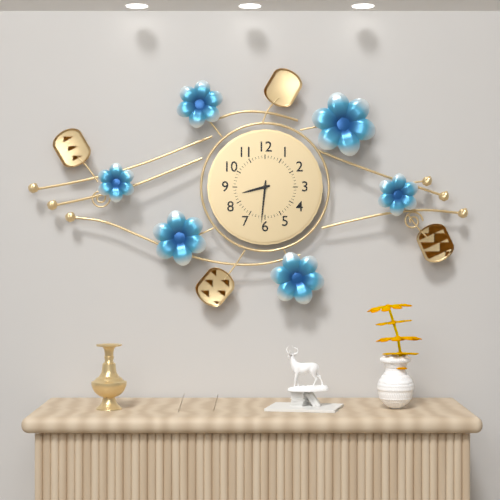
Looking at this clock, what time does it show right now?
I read 8:31
